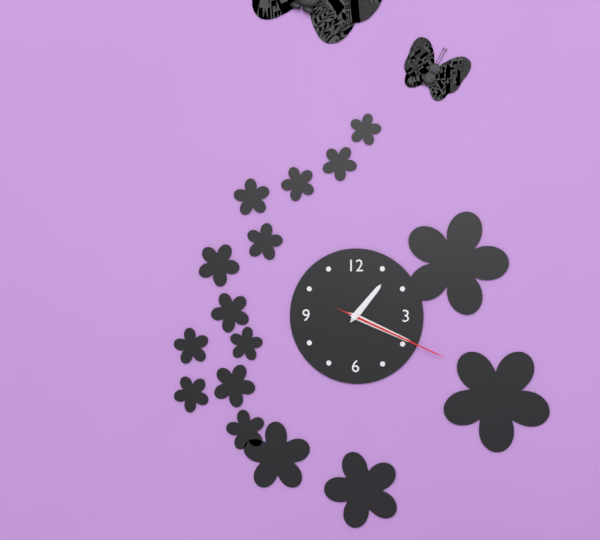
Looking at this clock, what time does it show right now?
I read 1:19:19
